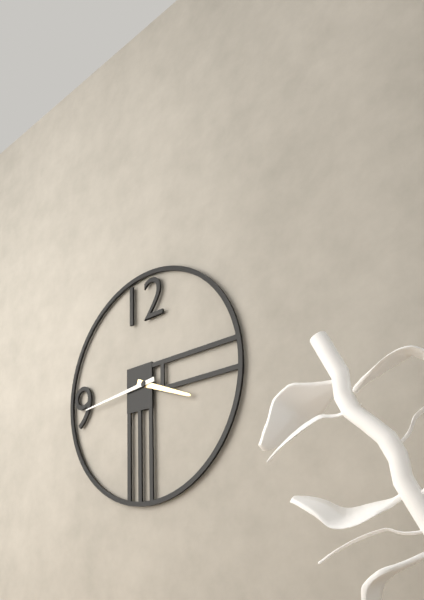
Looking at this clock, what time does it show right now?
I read 3:44
